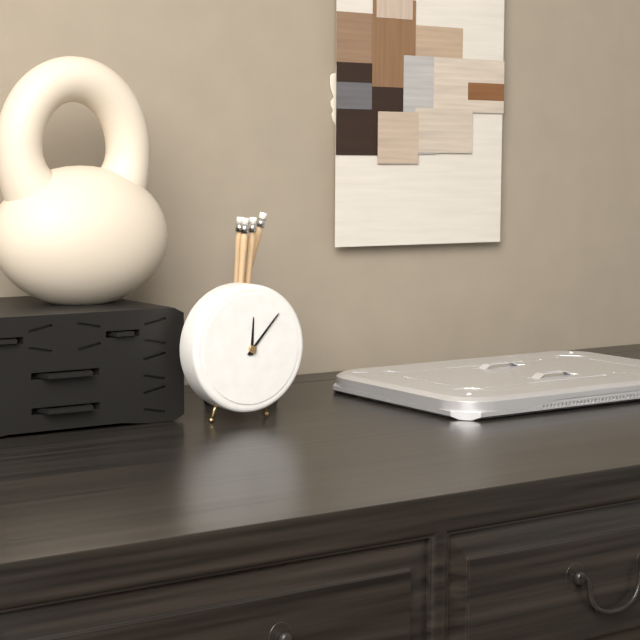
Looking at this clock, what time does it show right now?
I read 12:07
